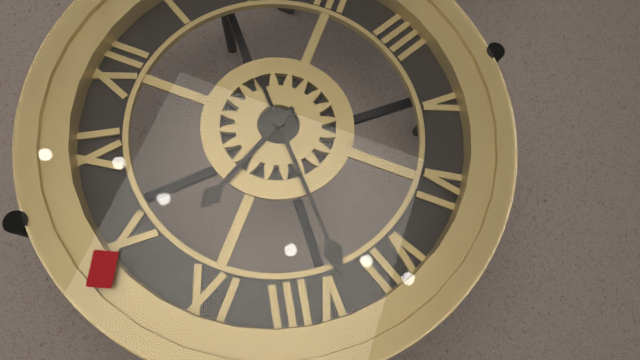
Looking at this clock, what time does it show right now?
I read 9:38
